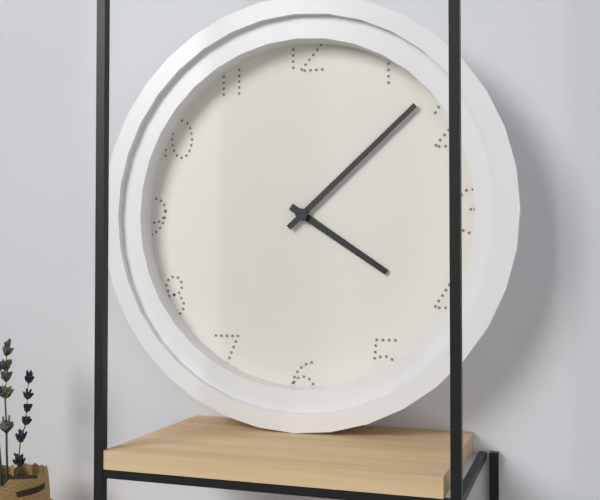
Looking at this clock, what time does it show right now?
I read 4:08
